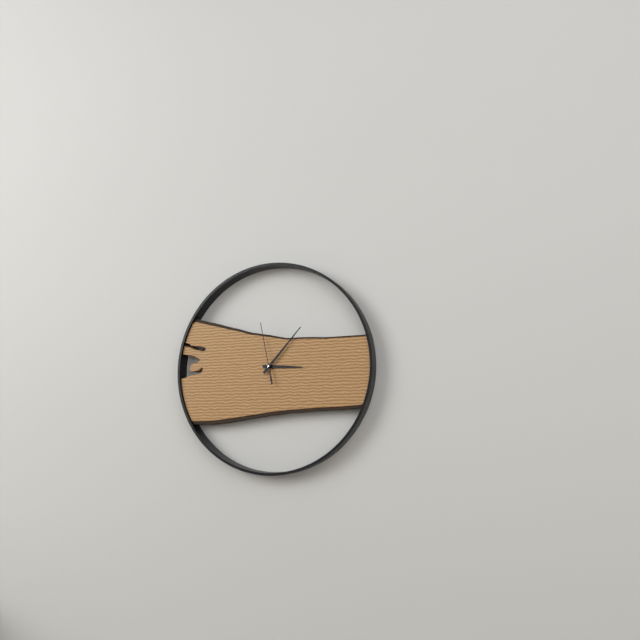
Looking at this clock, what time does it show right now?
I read 3:07:58
